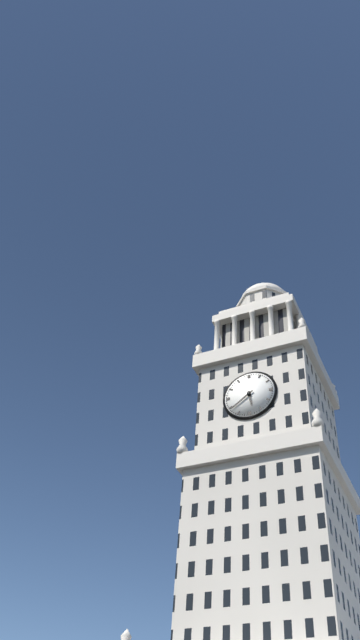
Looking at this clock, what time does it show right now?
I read 5:39
